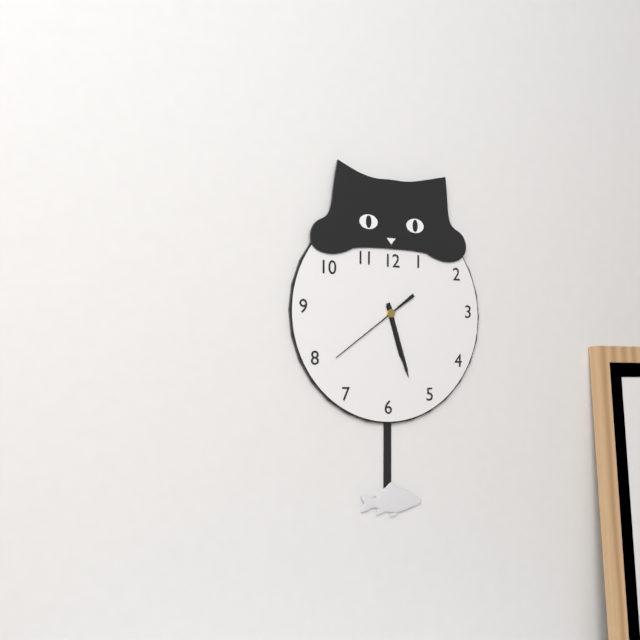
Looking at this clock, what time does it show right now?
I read 5:27:39
